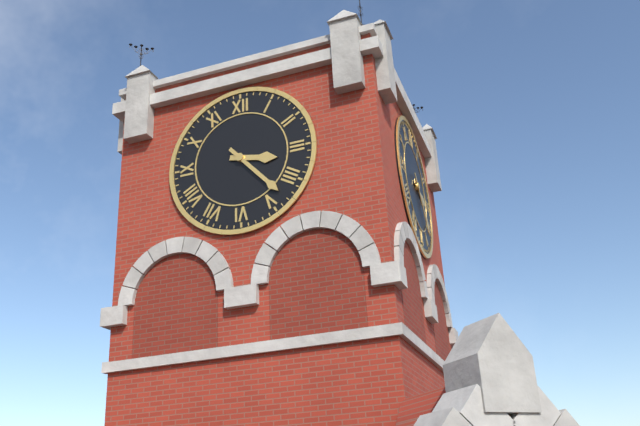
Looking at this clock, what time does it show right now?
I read 3:23
